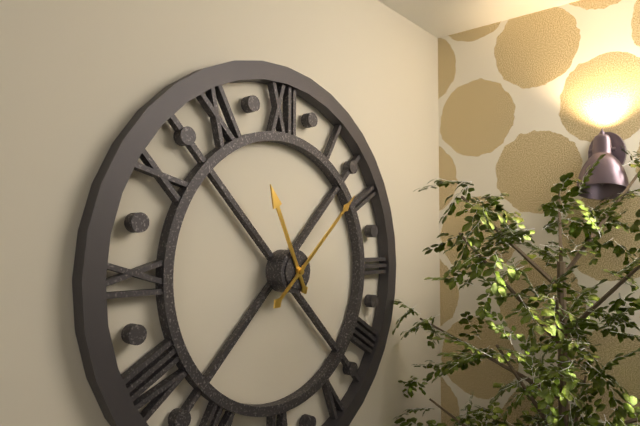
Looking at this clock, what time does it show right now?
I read 11:08
